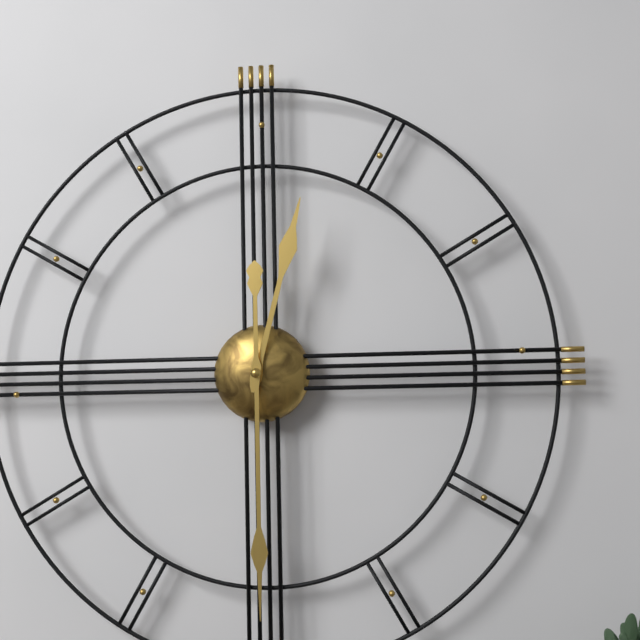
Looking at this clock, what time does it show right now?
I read 12:30
